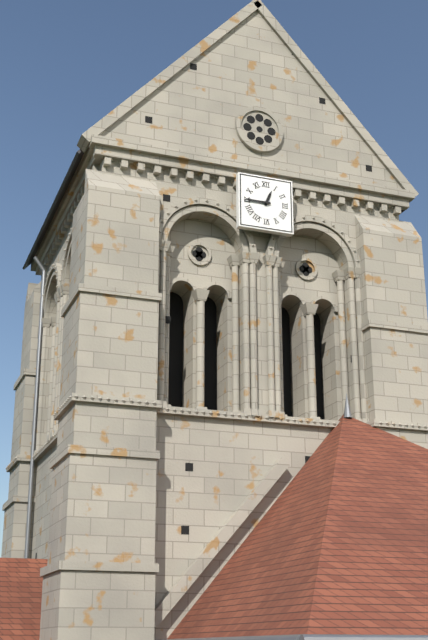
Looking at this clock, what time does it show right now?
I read 12:45
